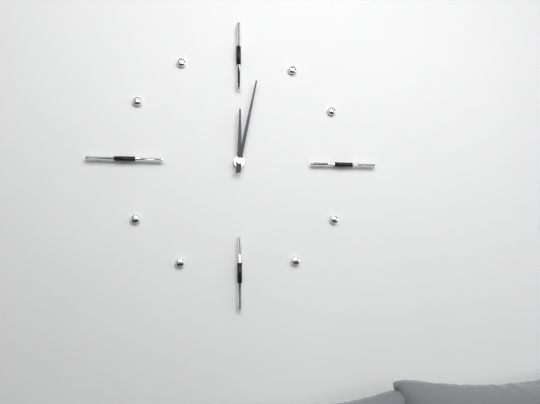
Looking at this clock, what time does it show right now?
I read 12:02
